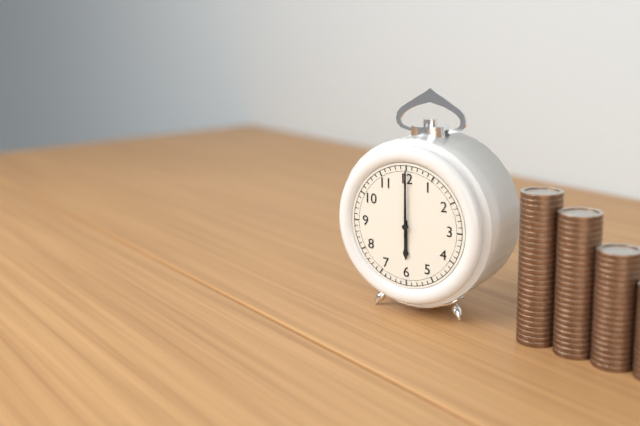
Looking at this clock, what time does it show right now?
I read 6:00:00
